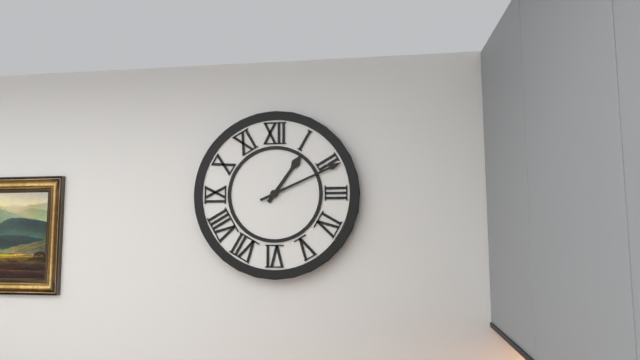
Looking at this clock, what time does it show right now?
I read 1:11
